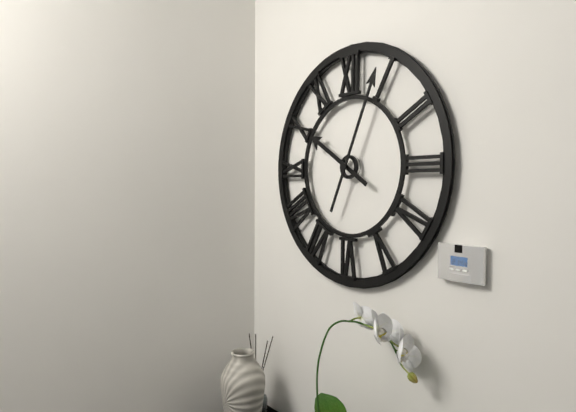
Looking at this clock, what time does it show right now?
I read 10:04
